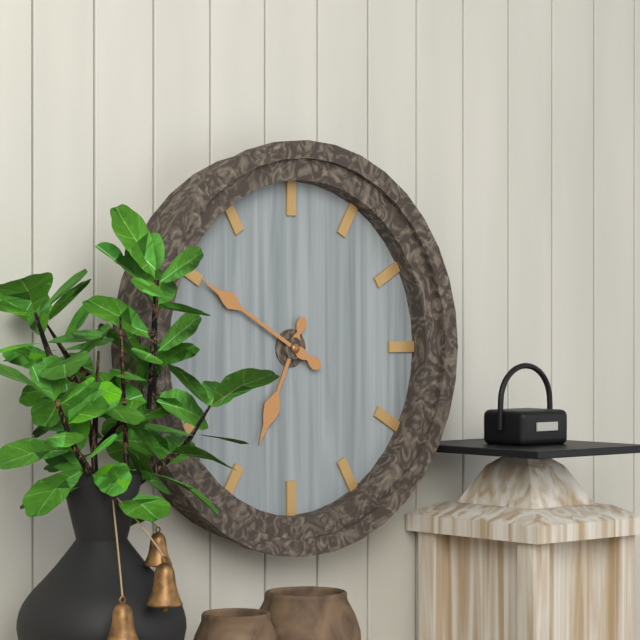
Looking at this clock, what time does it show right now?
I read 6:50
